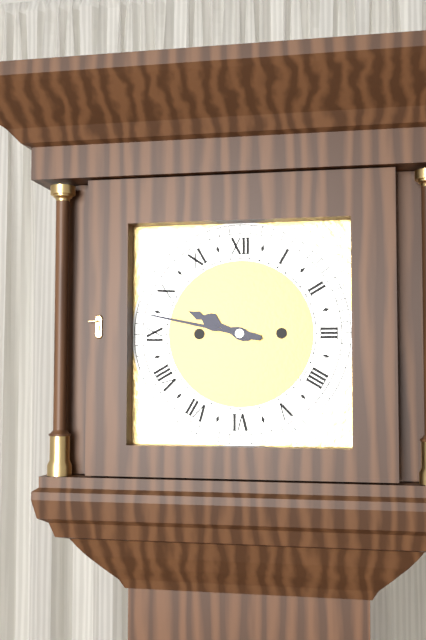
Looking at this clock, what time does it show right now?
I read 9:47
